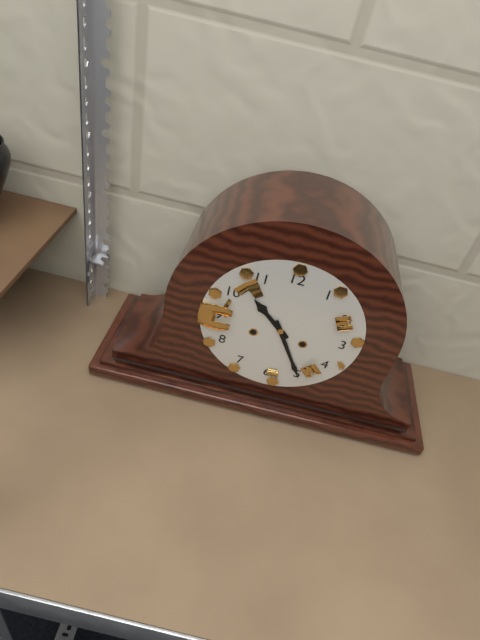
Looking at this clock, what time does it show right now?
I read 10:25
